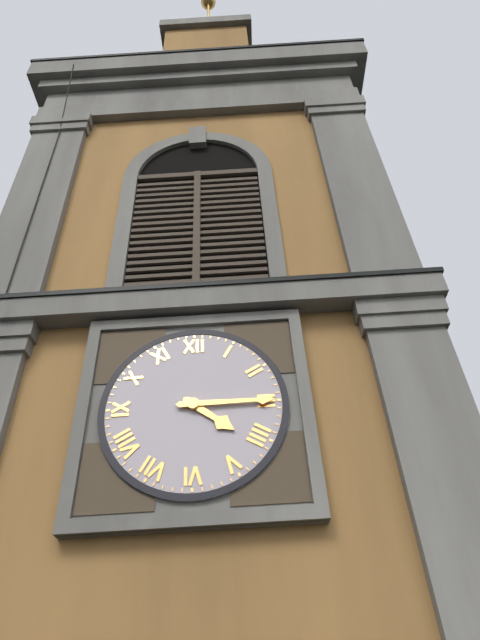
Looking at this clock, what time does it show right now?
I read 4:15
